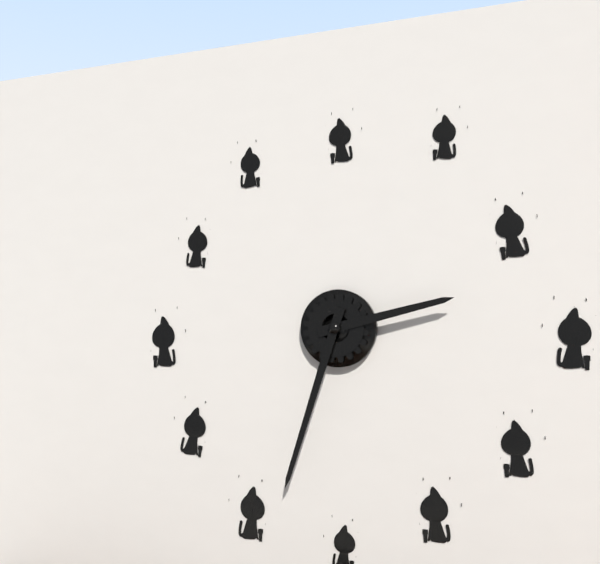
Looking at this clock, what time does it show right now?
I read 2:33
